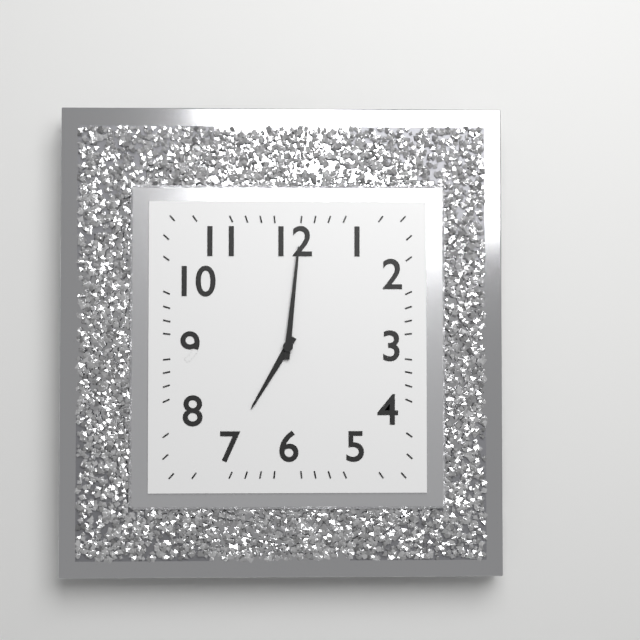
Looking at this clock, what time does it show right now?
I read 7:01
